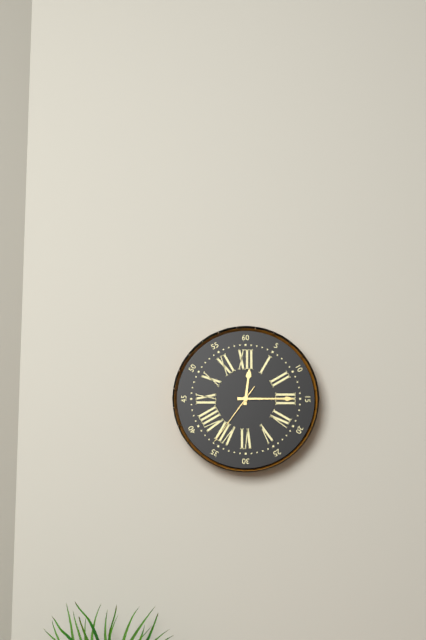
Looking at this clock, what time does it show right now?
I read 12:15:36
